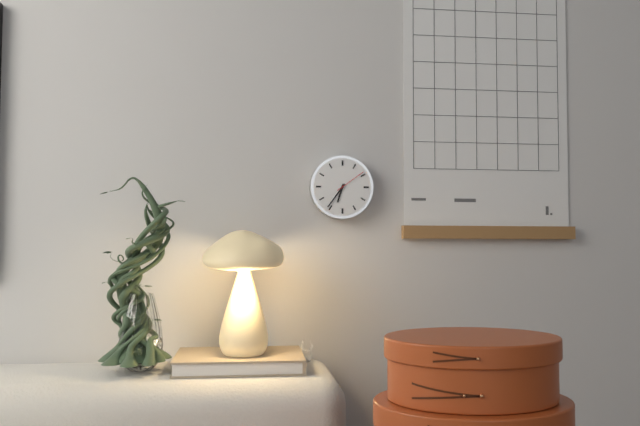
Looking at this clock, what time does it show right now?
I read 6:36
